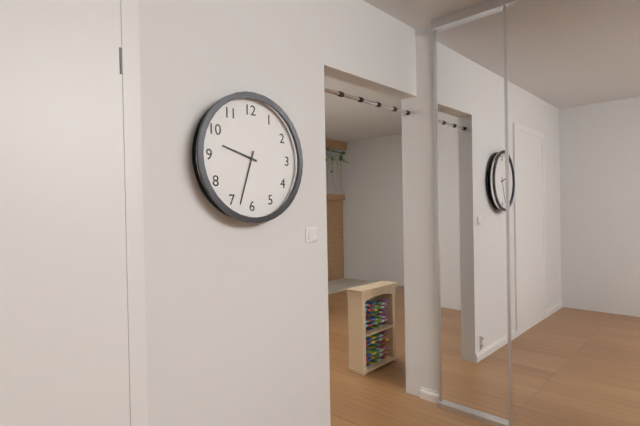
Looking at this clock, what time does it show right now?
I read 9:33
